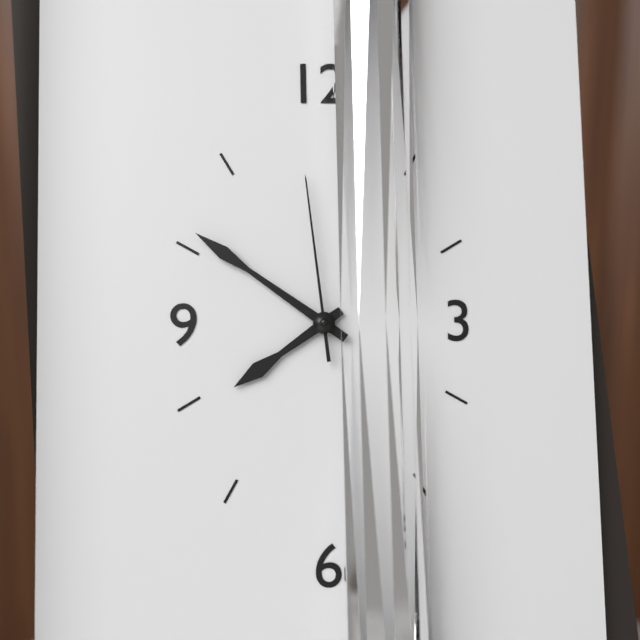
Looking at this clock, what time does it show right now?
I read 7:51:59
